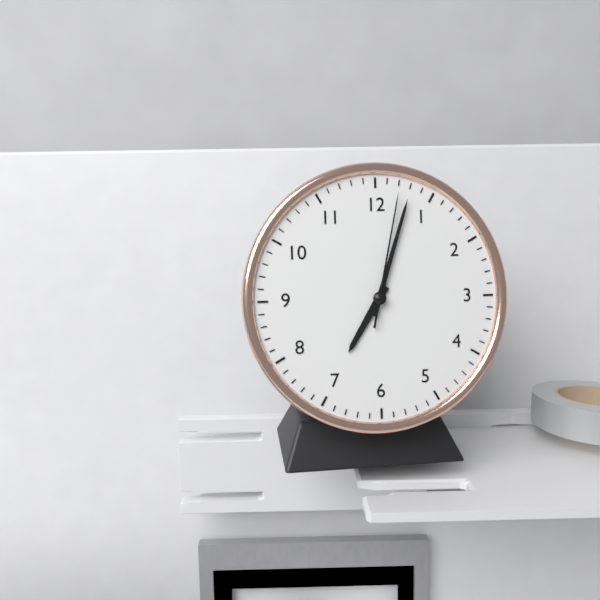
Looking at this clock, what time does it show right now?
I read 7:03:02
